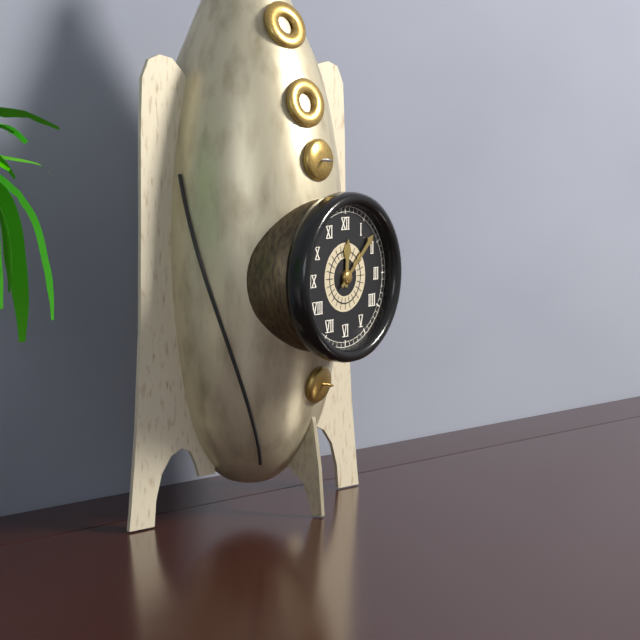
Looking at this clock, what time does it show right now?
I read 12:08
